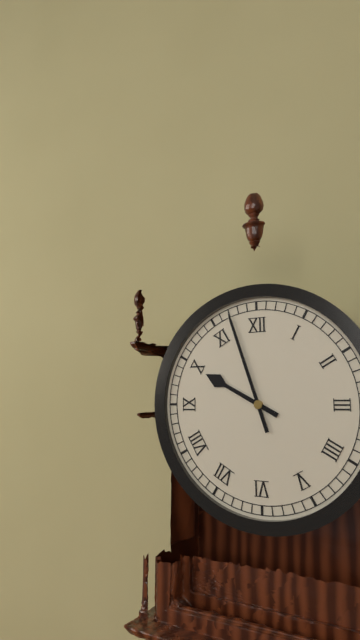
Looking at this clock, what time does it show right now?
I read 9:57
